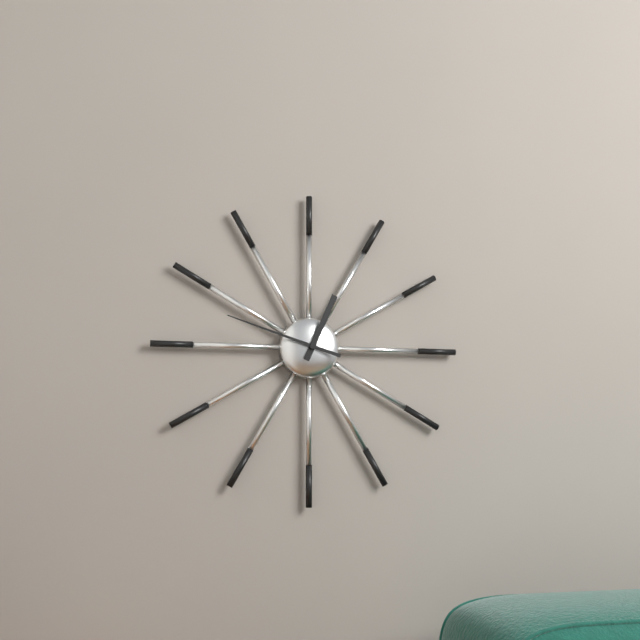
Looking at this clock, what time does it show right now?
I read 12:48
